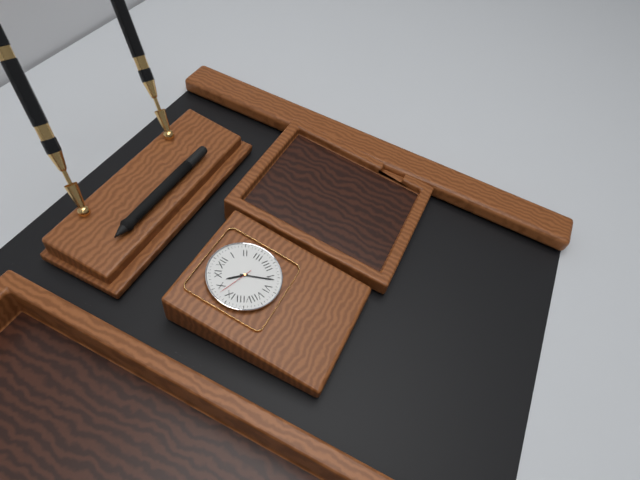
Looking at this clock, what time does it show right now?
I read 10:26
